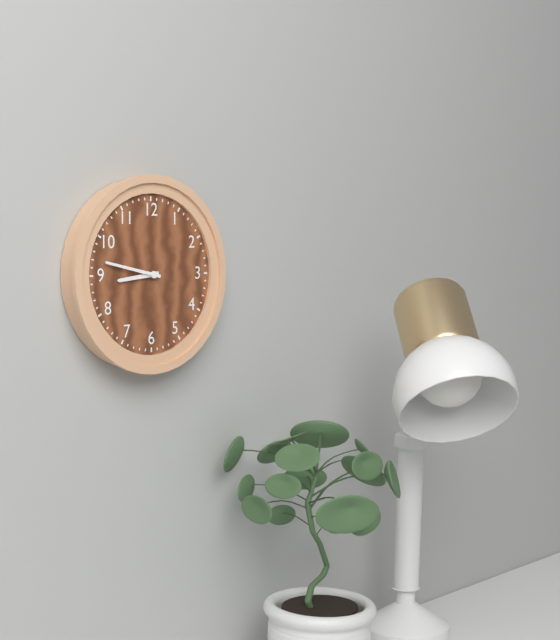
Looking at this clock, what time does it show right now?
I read 8:47
